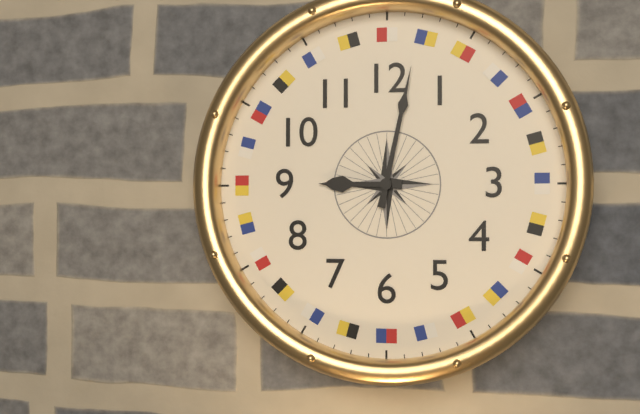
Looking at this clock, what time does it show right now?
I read 9:02
